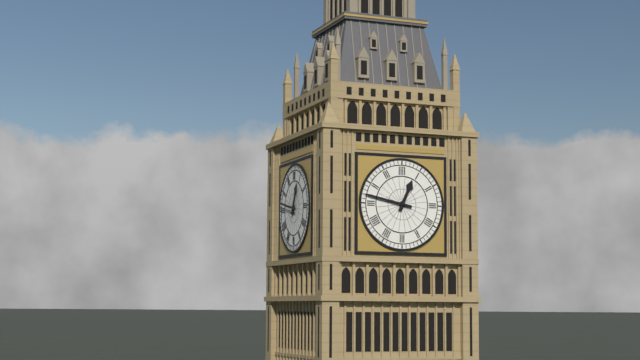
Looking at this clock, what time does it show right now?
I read 12:47
